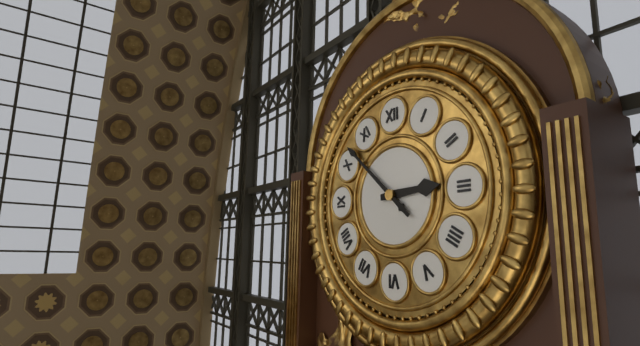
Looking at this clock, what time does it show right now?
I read 2:52
